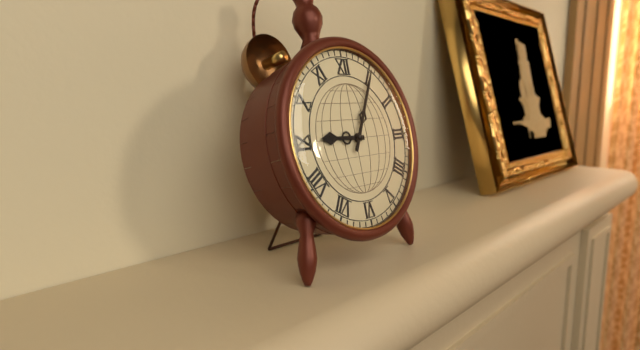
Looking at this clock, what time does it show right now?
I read 9:05
